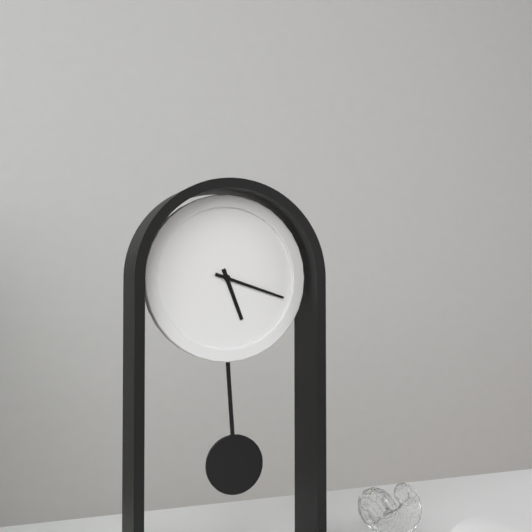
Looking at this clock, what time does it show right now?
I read 5:18
